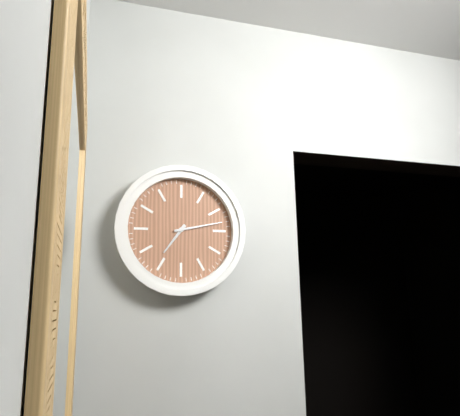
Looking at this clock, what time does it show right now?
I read 7:13
